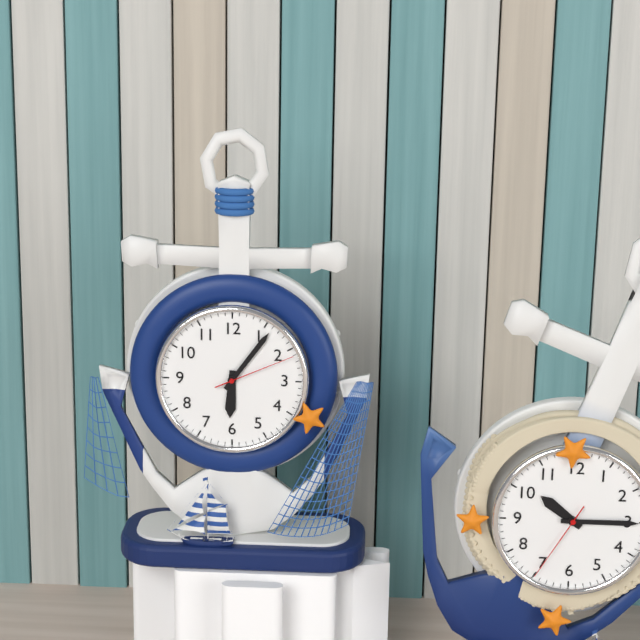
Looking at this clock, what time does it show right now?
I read 6:06:11
